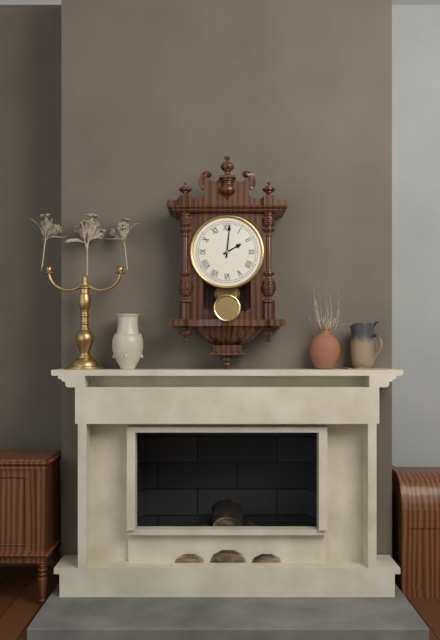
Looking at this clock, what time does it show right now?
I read 2:01
